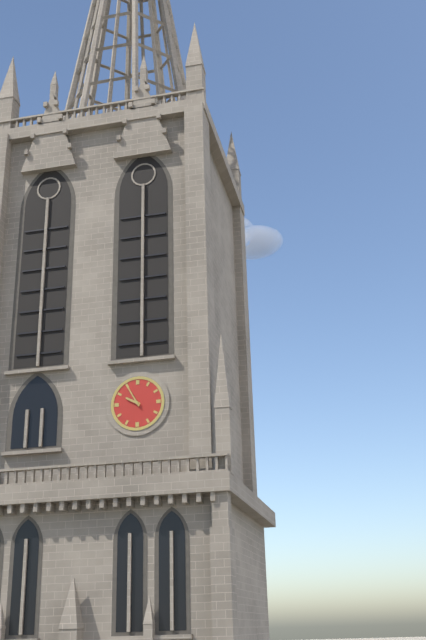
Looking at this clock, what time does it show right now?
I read 9:55
